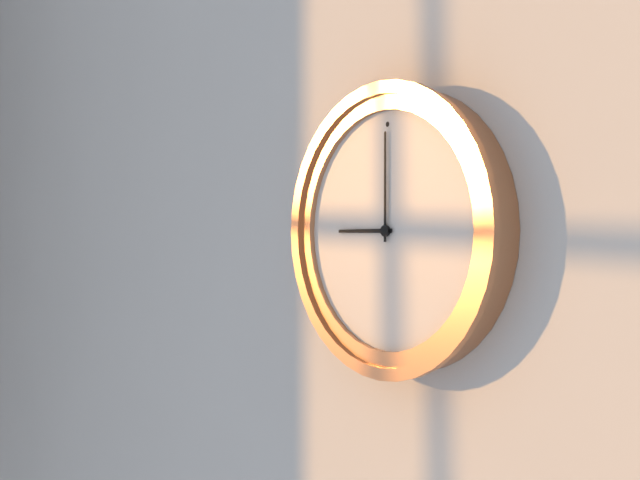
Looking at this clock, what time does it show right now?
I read 9:00
